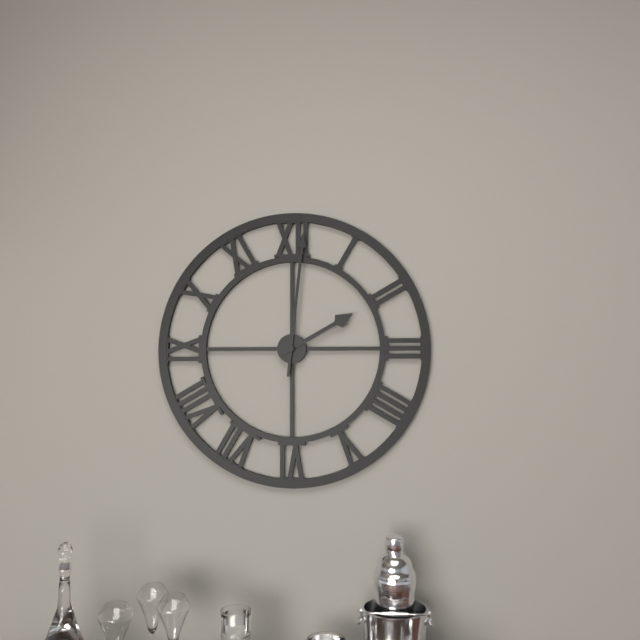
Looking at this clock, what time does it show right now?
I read 2:01
